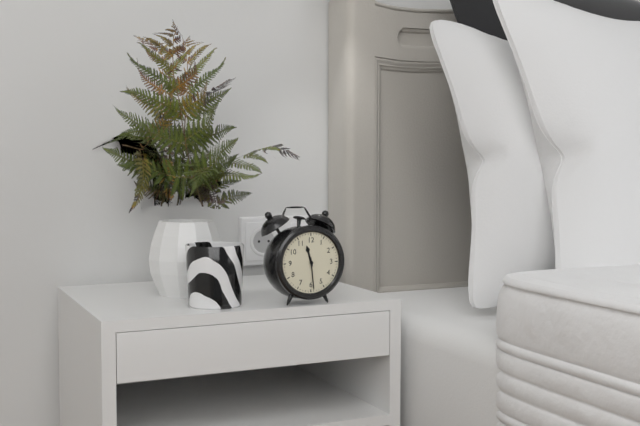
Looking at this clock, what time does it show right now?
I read 11:29
